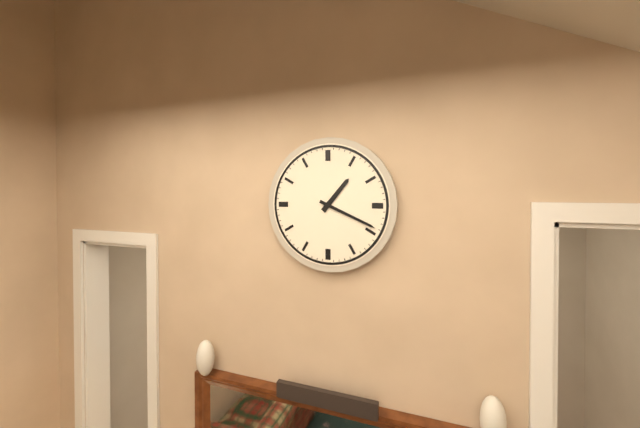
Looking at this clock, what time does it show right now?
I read 1:19
